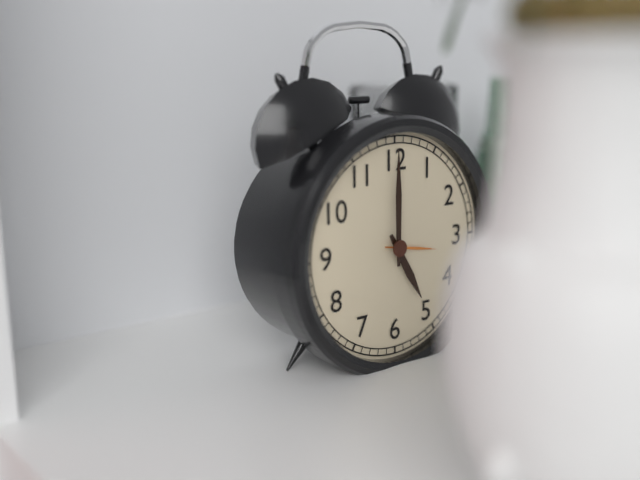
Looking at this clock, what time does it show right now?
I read 5:00
